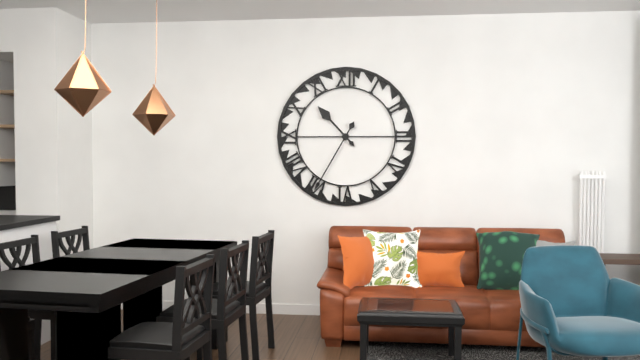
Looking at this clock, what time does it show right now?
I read 10:35
